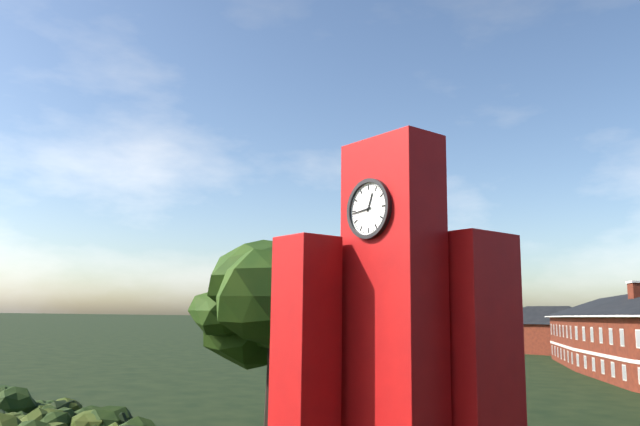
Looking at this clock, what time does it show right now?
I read 12:44
